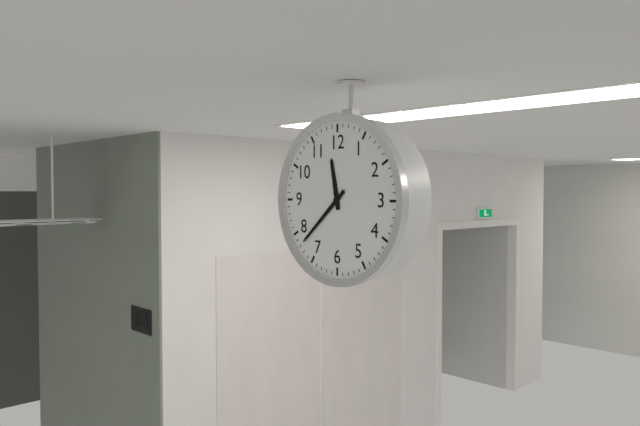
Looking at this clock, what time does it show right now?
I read 11:38
